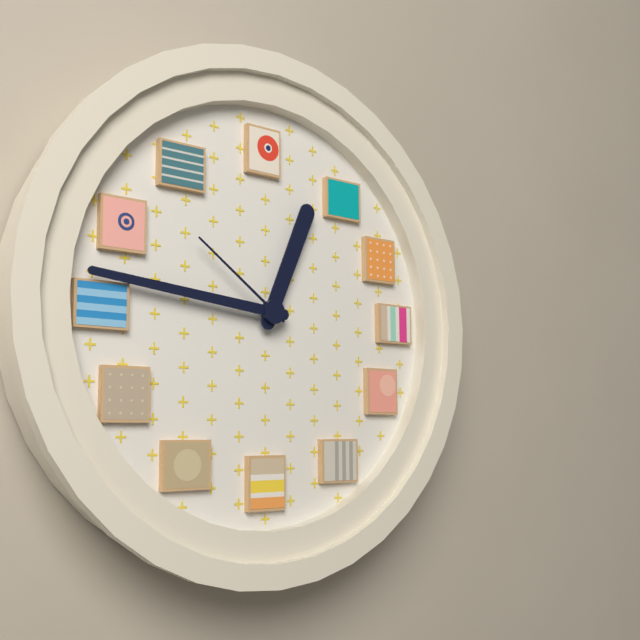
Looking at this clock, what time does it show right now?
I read 12:46:51
